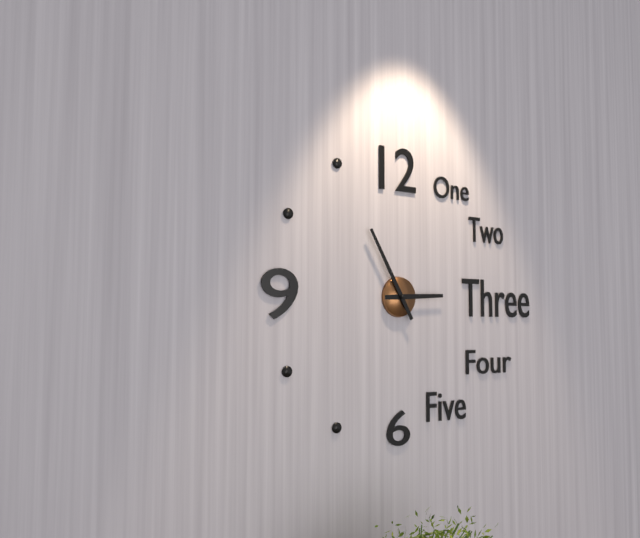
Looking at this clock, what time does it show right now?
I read 2:55
